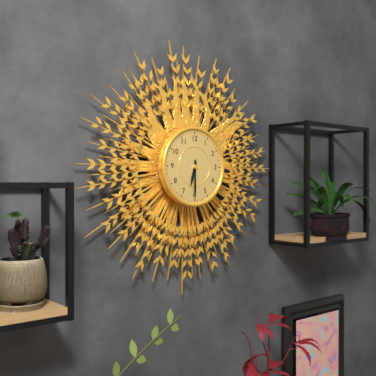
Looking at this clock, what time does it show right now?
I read 6:30
